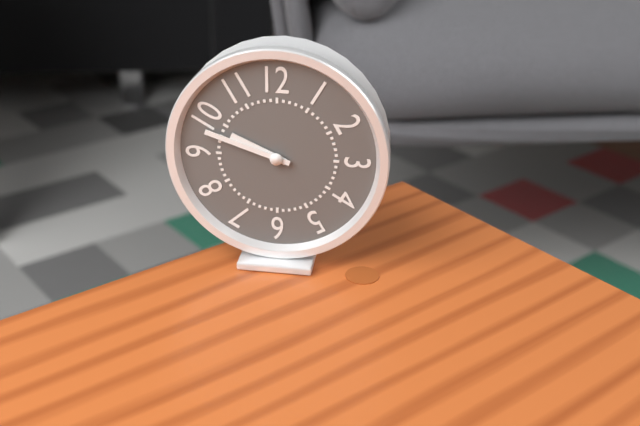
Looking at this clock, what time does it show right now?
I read 9:48
